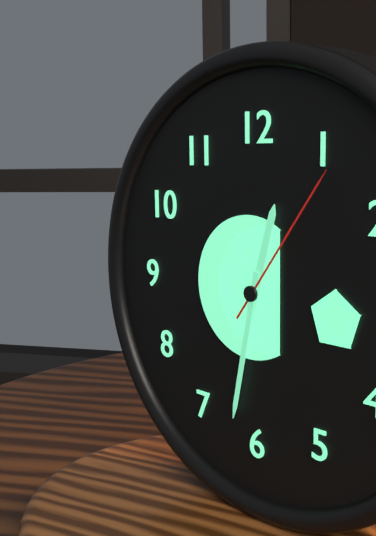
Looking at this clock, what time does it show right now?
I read 12:32:06
